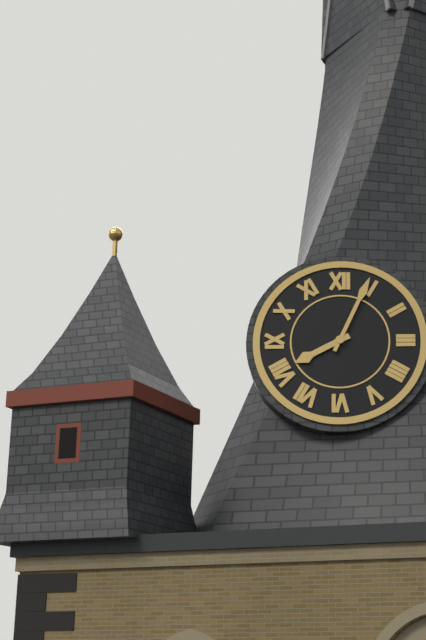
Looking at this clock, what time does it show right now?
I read 8:04
